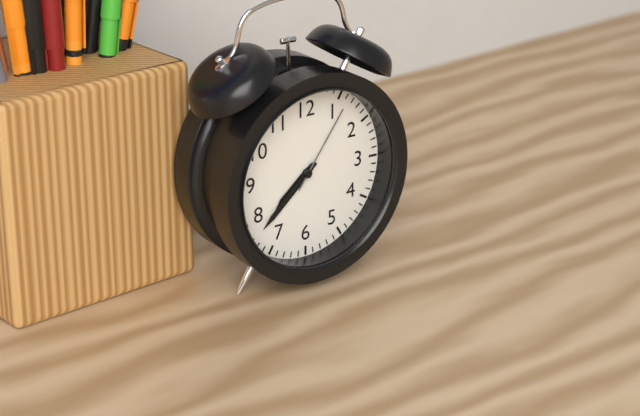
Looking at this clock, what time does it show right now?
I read 7:38:06
